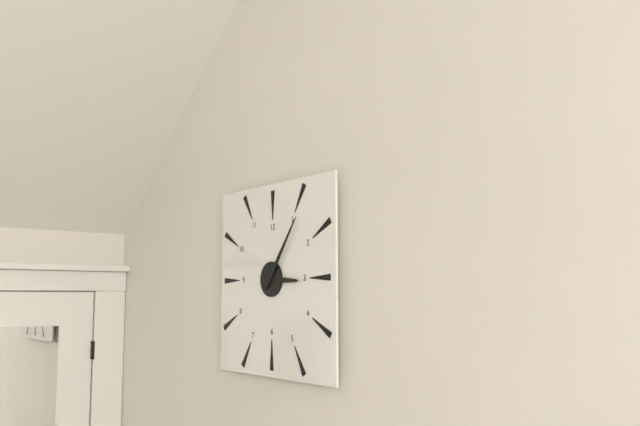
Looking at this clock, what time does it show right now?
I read 3:06
